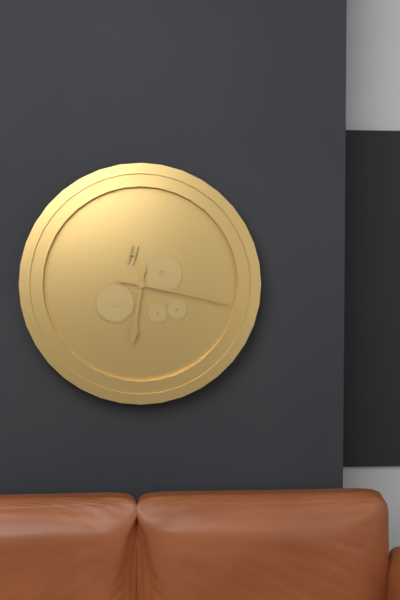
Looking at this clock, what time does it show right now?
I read 6:17
